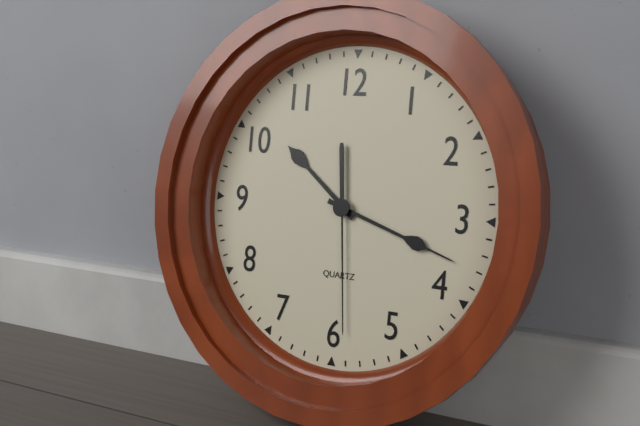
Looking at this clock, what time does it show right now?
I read 10:18:29
